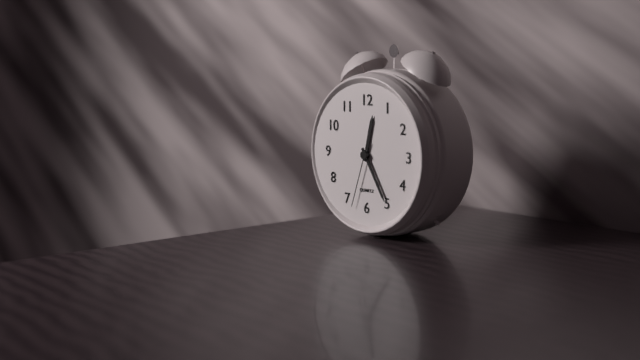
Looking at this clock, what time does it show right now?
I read 12:25:33
